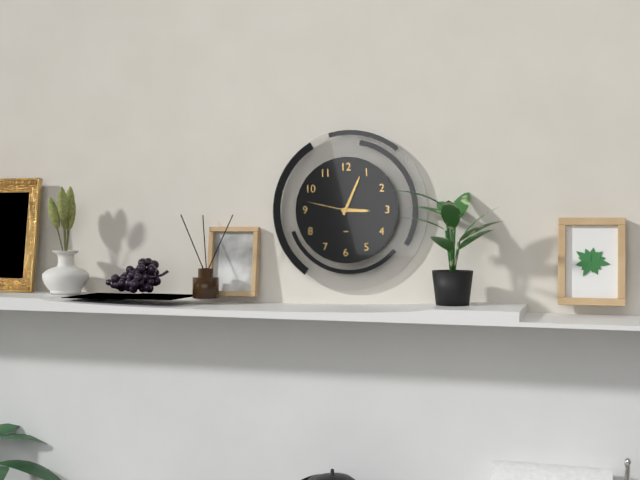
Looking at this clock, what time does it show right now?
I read 3:04
